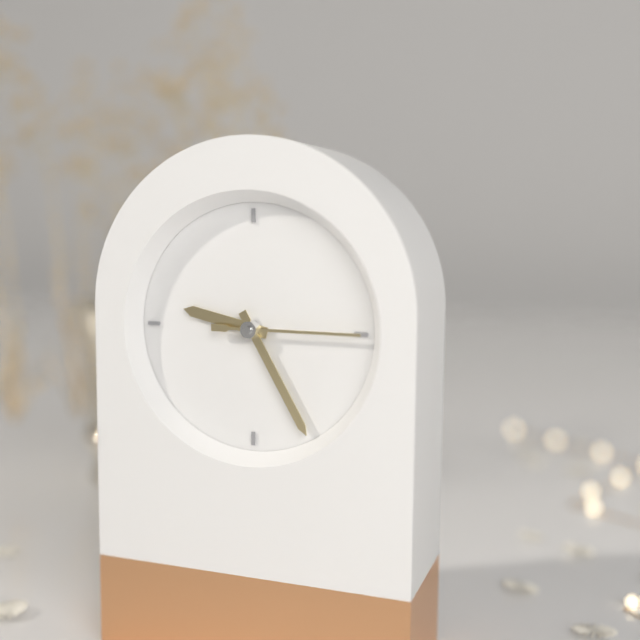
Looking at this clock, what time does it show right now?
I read 9:25:15
